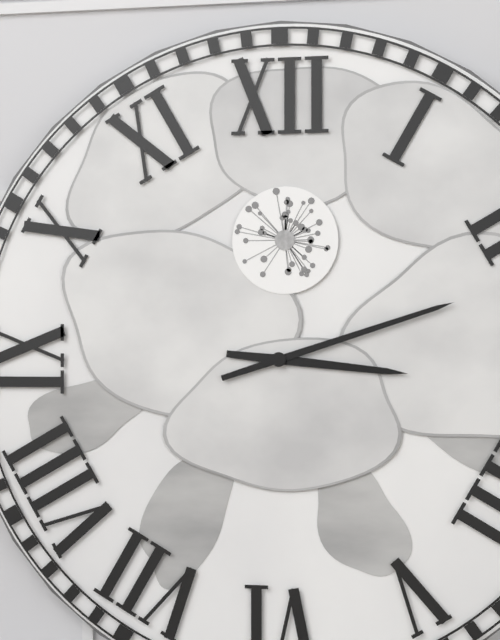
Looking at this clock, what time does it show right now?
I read 3:12
